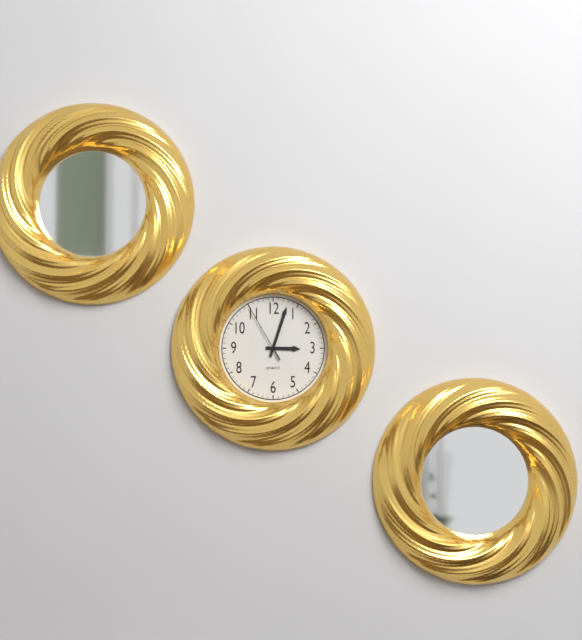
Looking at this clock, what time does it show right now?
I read 3:03:55
